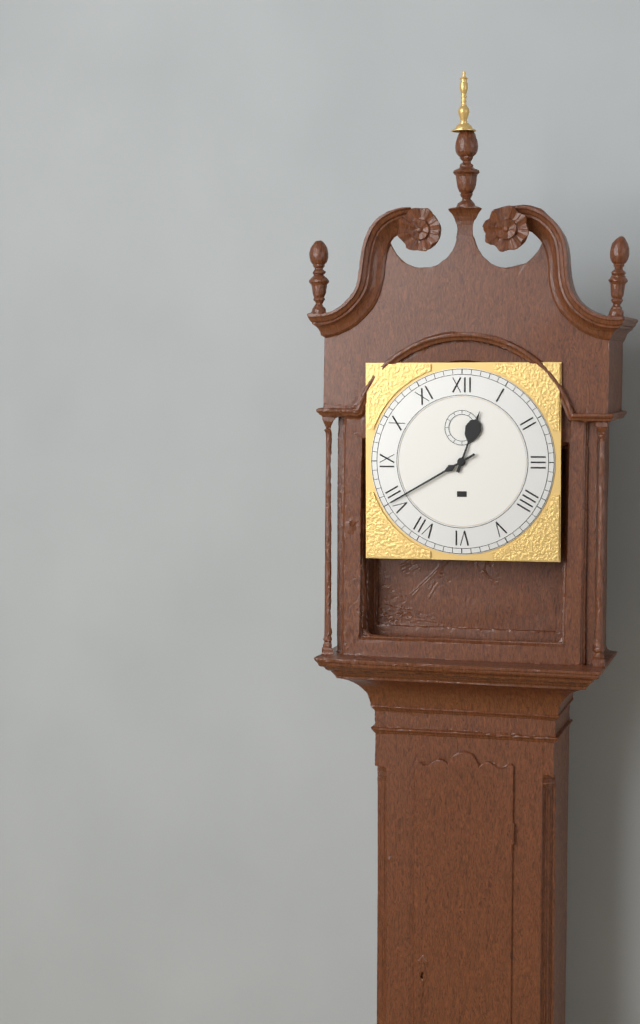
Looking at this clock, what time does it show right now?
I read 12:40
